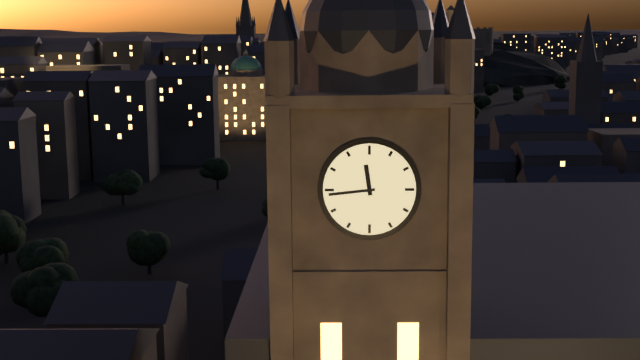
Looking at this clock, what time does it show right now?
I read 11:44
